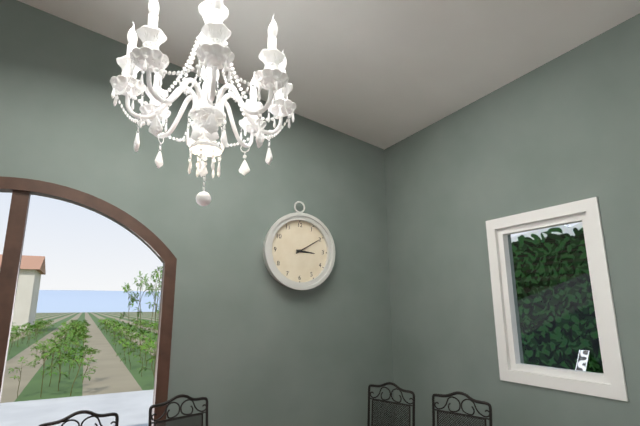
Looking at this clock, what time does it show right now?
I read 3:10
